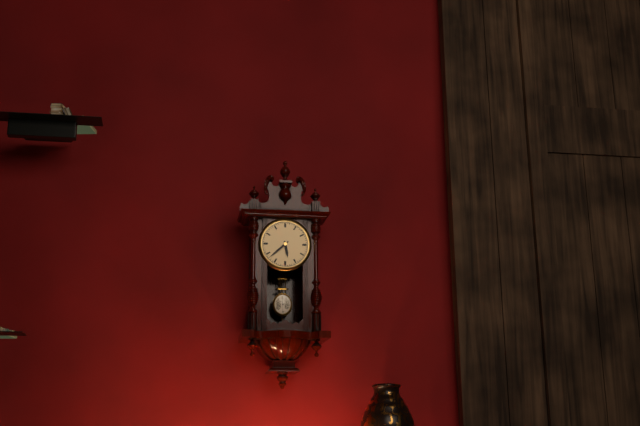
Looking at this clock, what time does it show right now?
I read 5:38
